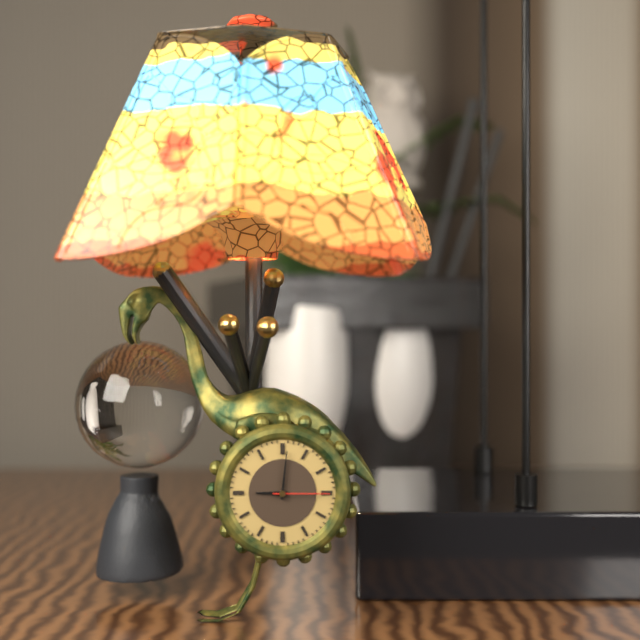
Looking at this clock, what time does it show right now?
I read 9:01:15
